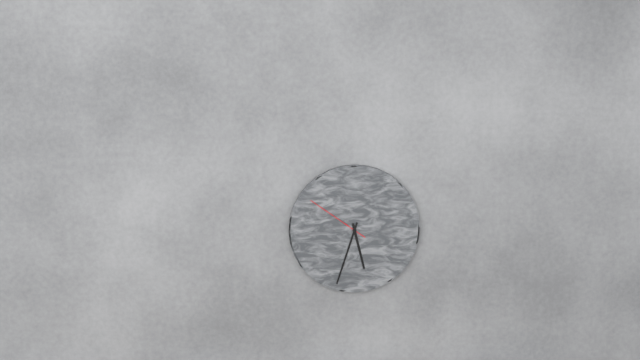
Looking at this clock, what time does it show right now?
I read 5:33:51
